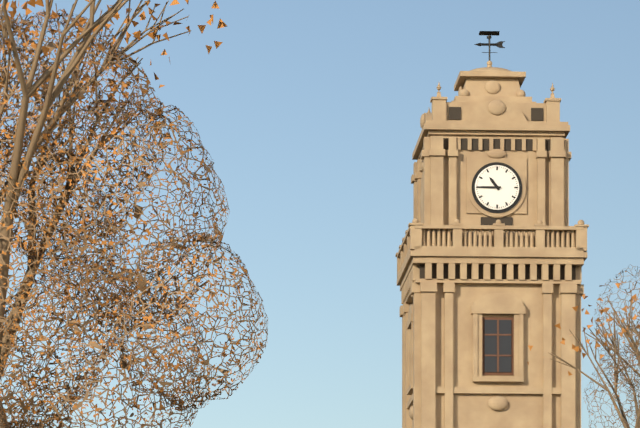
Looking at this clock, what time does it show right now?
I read 10:45
